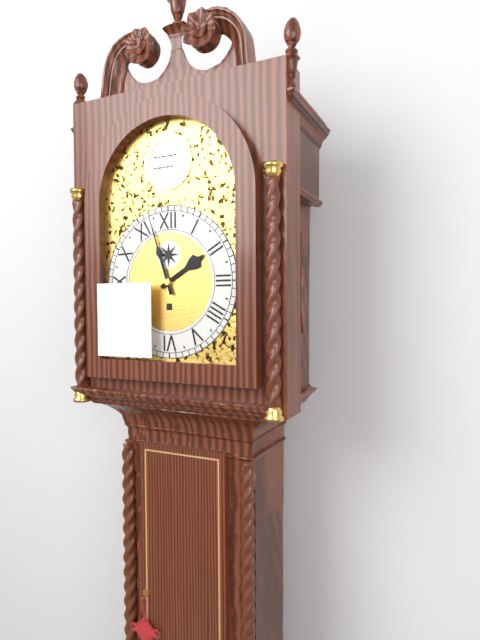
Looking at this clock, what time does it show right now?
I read 1:57
